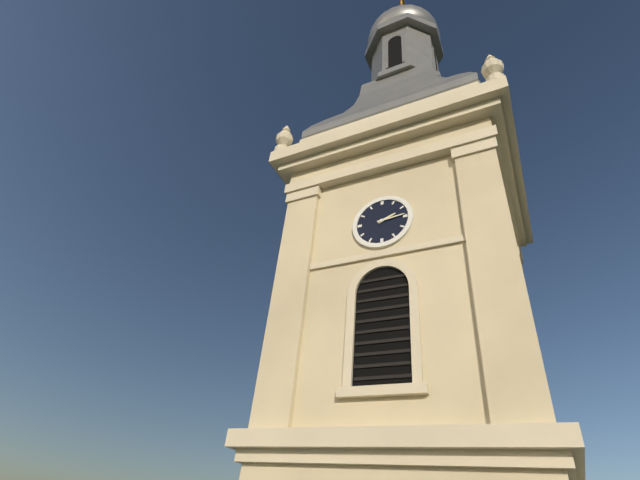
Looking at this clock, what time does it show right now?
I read 2:14
